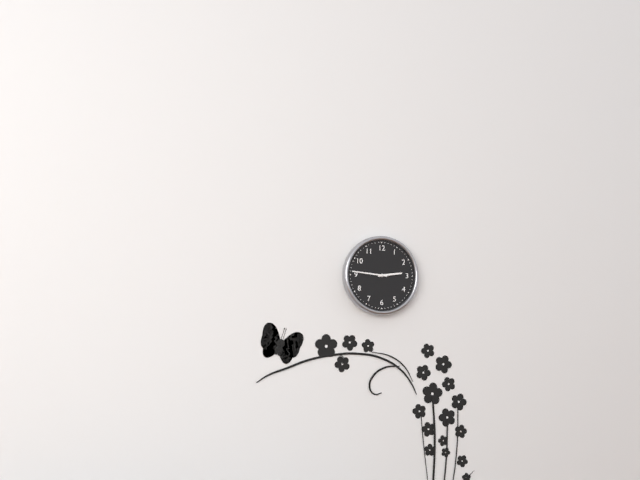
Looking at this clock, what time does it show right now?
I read 2:46
